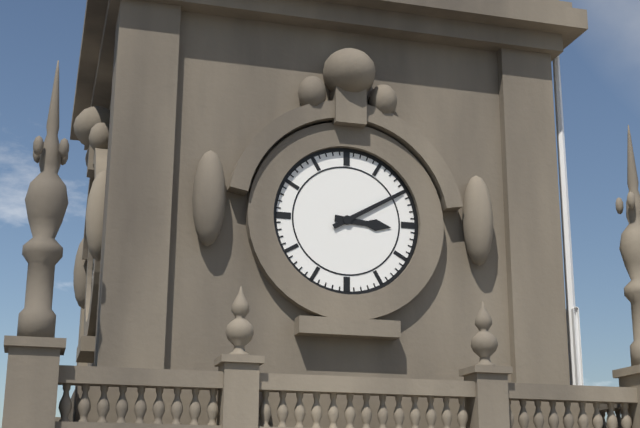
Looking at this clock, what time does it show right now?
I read 3:10
